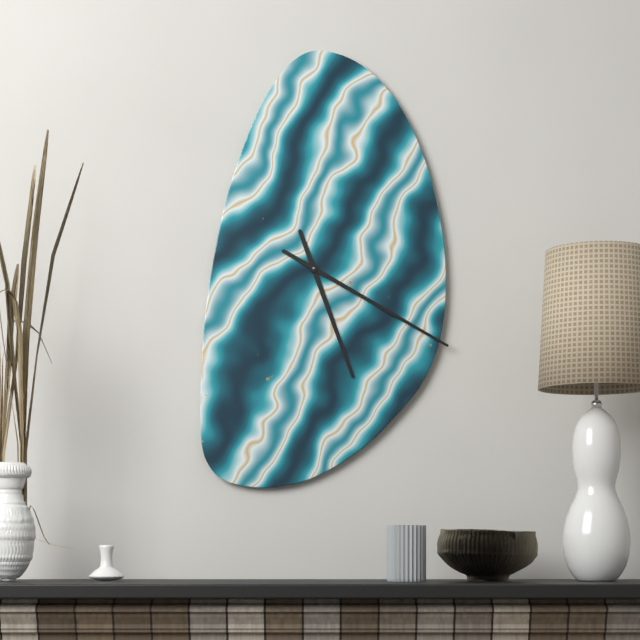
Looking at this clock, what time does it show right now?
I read 5:20
